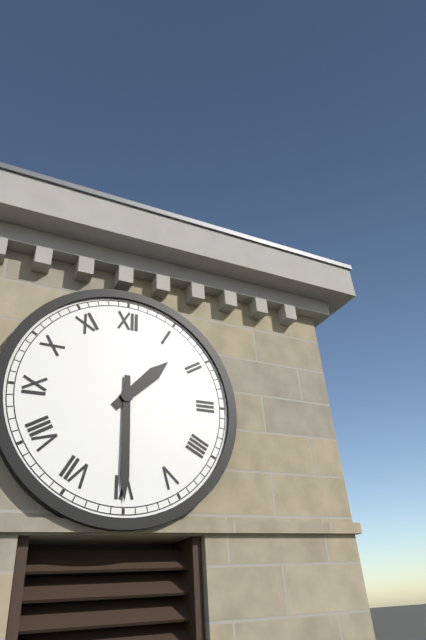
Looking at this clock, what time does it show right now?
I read 1:30
